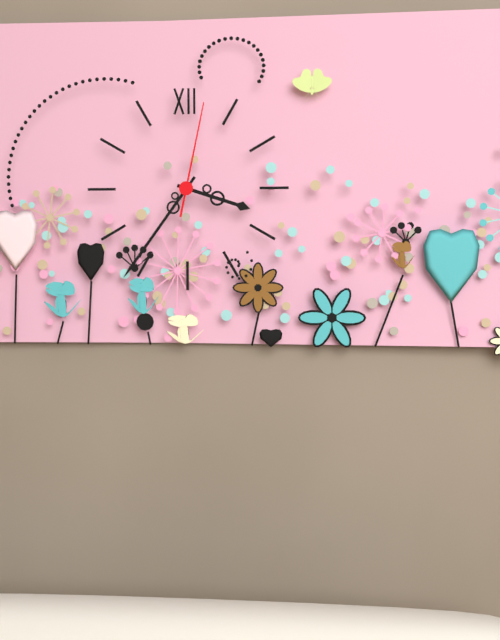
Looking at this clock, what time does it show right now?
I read 3:36:02
